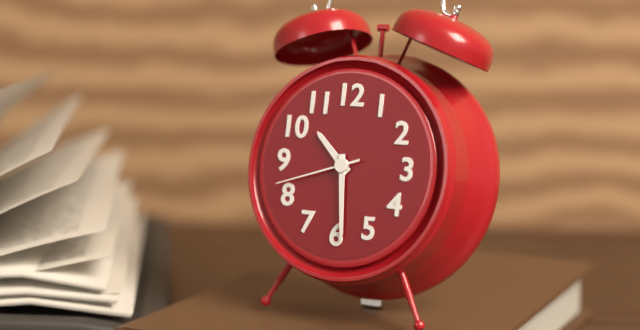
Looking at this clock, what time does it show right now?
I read 10:29:42
